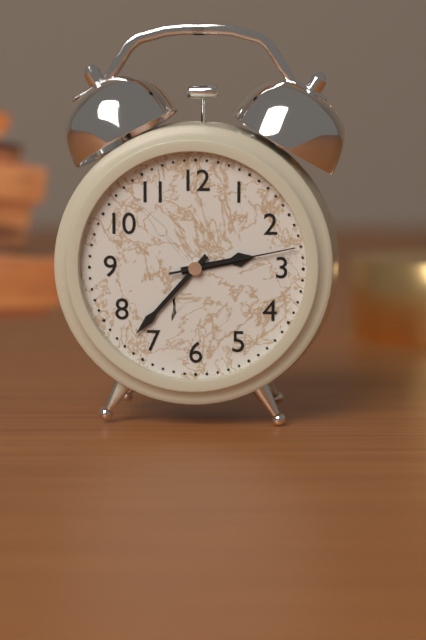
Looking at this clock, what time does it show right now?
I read 2:37:13
